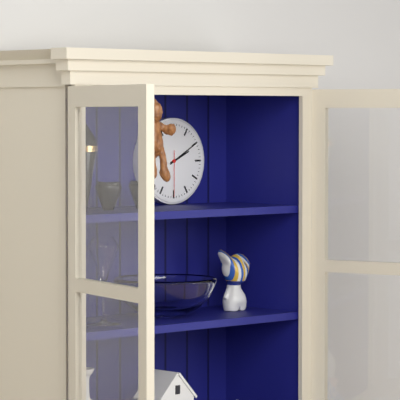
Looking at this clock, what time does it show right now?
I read 2:10
